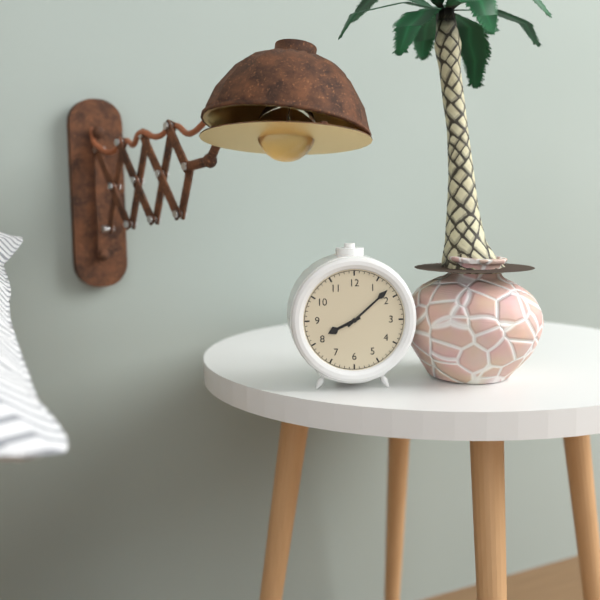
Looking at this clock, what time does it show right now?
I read 8:08
